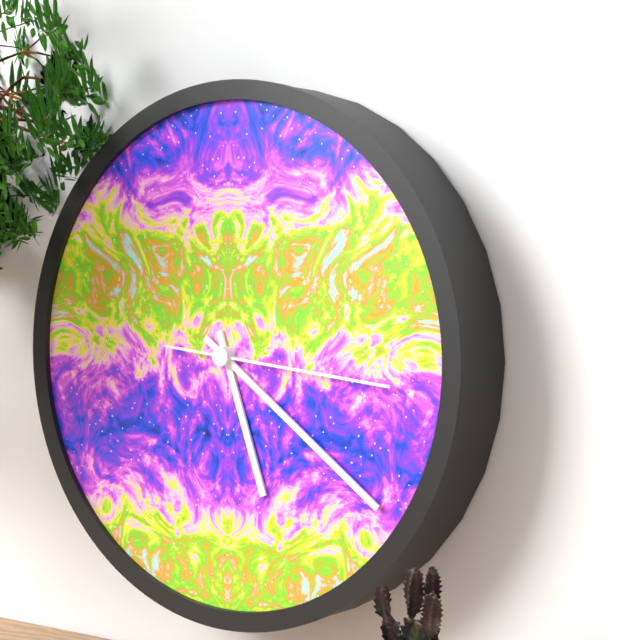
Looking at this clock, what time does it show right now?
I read 5:21:16
